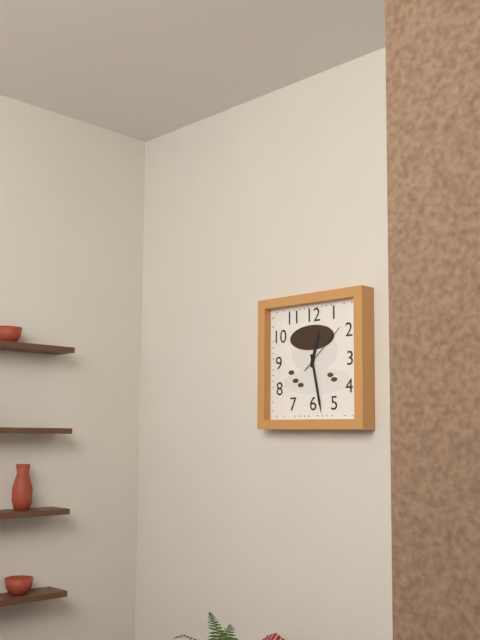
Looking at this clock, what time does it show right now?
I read 12:28:08
